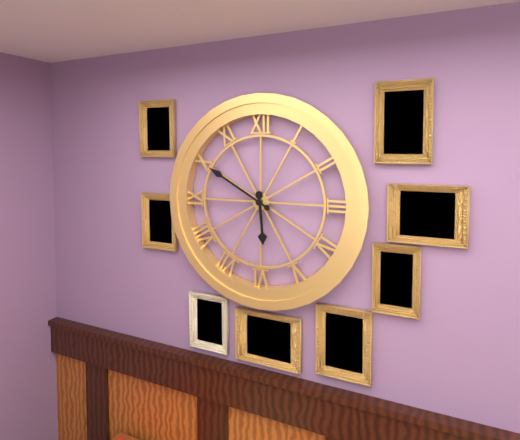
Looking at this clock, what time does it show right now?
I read 5:50
